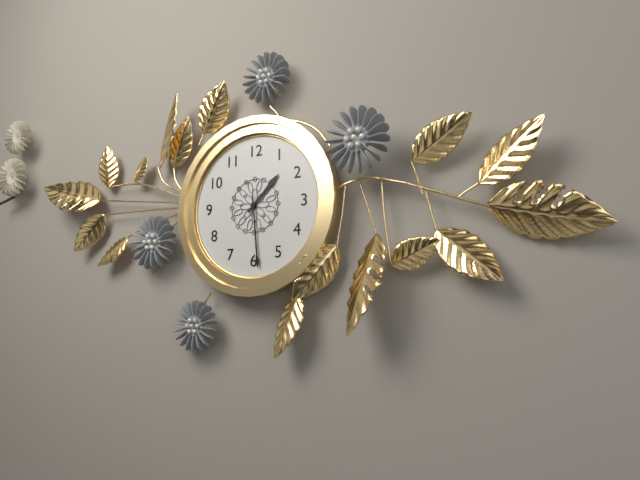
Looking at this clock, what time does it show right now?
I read 1:29
